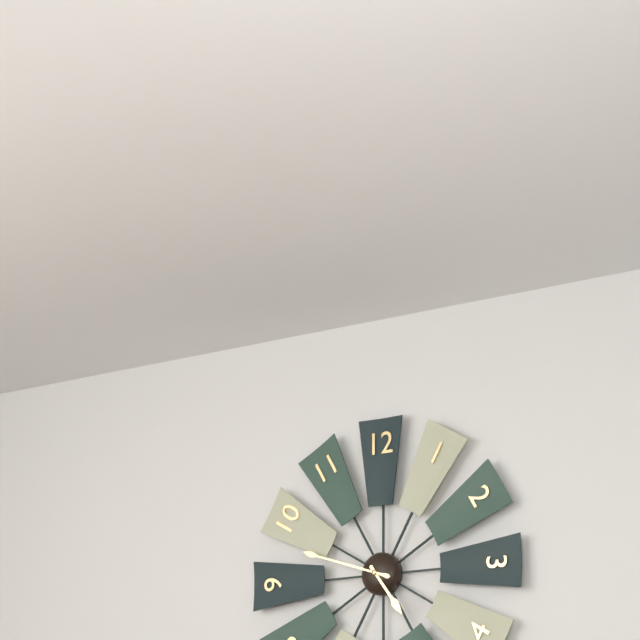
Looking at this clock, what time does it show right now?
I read 4:48
